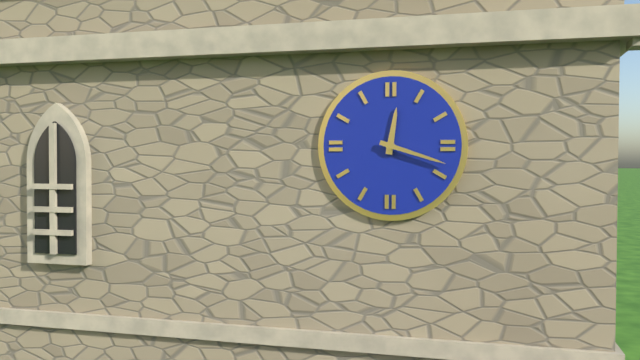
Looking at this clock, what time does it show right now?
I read 12:18
